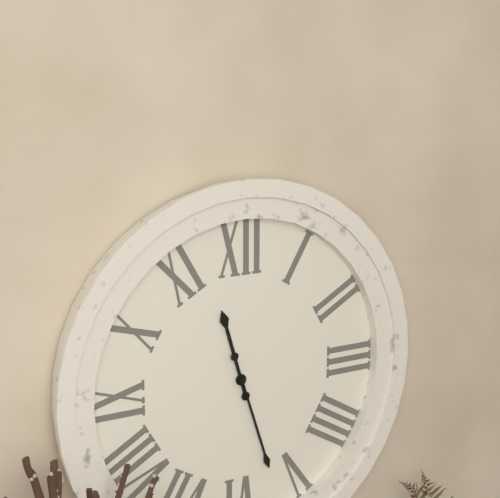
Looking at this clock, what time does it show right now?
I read 11:27
